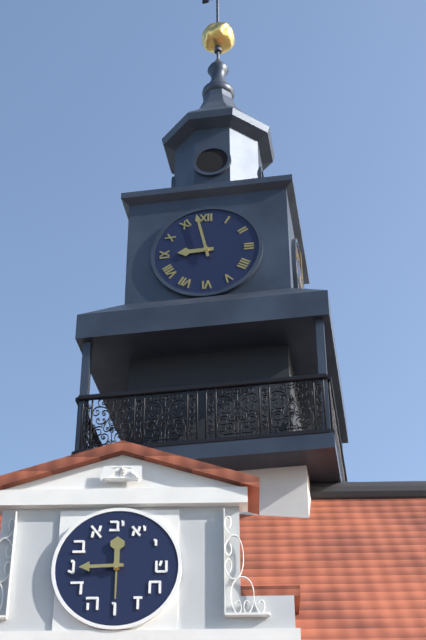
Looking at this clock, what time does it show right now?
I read 8:58
